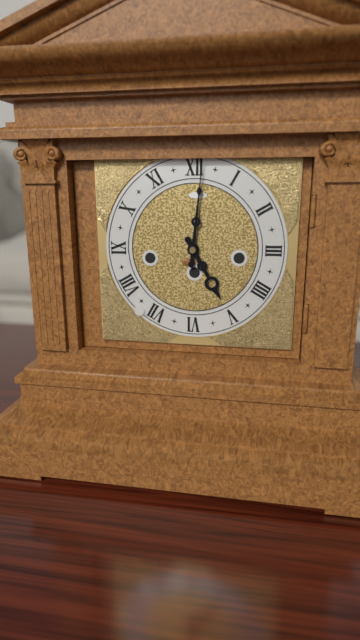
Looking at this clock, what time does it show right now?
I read 5:01
